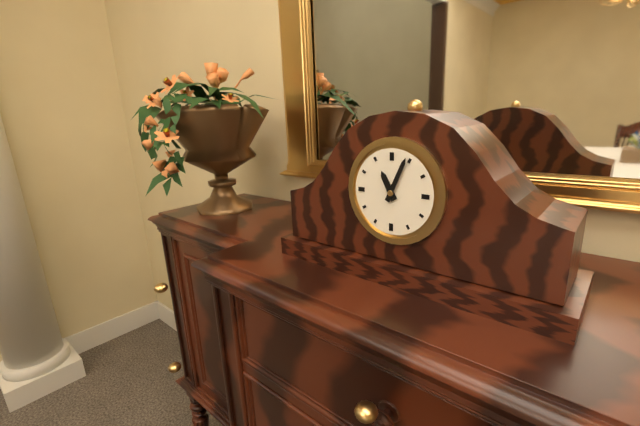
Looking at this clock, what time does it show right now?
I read 11:04
